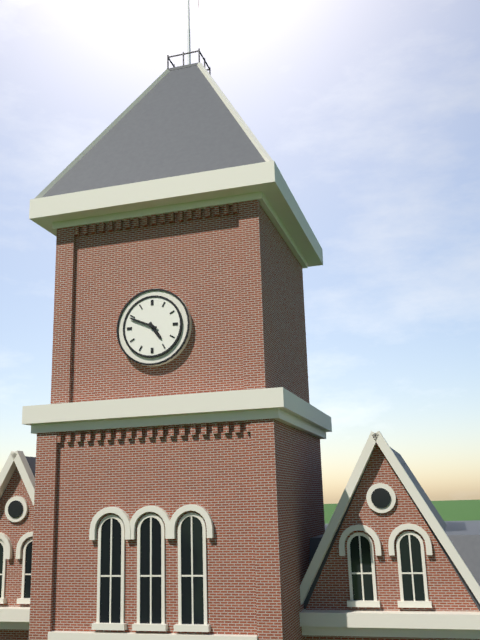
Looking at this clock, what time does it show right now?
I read 4:49
